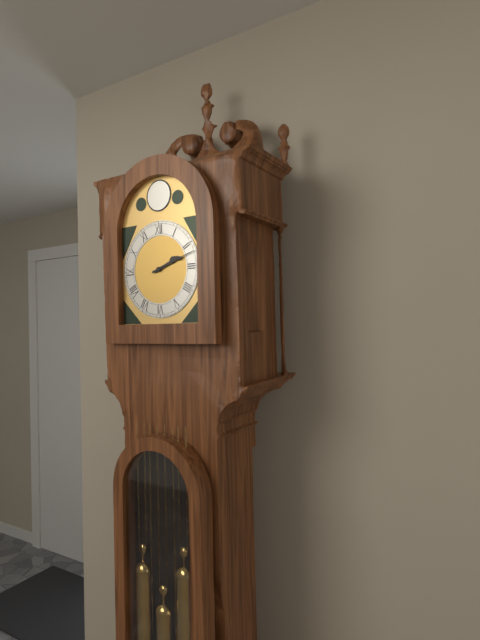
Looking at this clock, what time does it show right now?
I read 2:12
